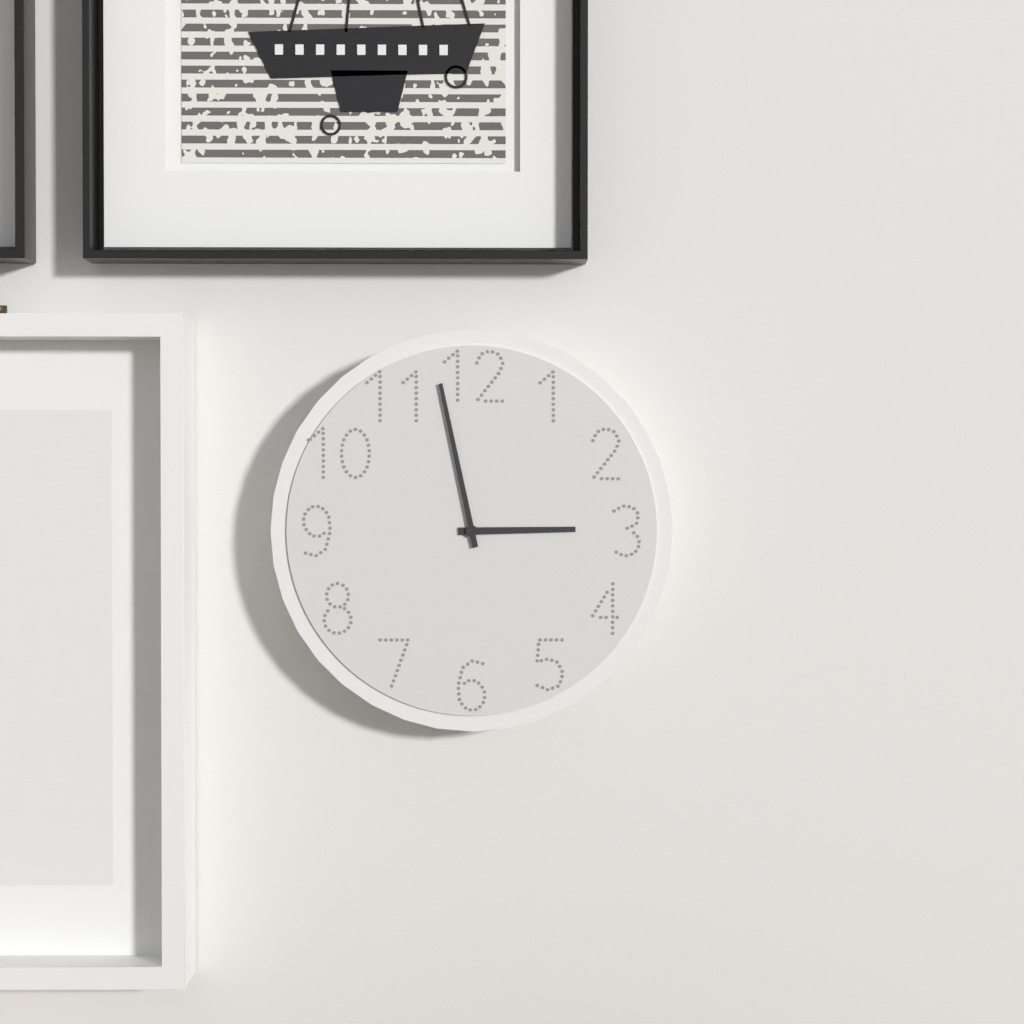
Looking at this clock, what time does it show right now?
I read 2:58
